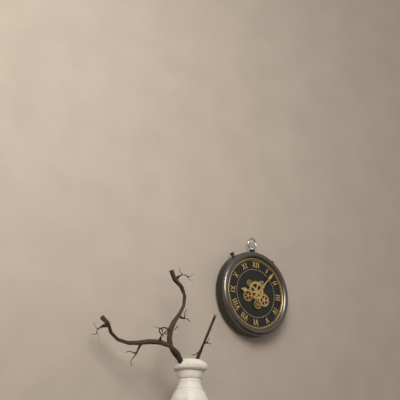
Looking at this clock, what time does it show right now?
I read 9:07
